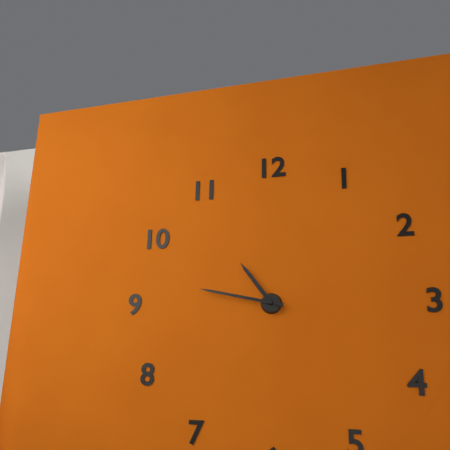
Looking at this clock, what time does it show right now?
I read 10:47
